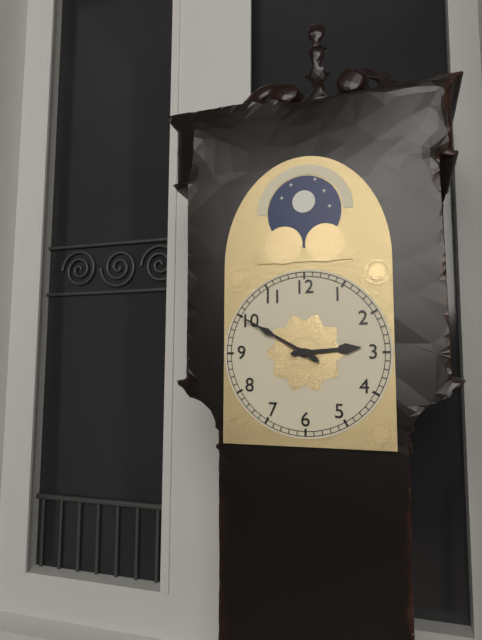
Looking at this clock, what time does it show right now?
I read 2:50
